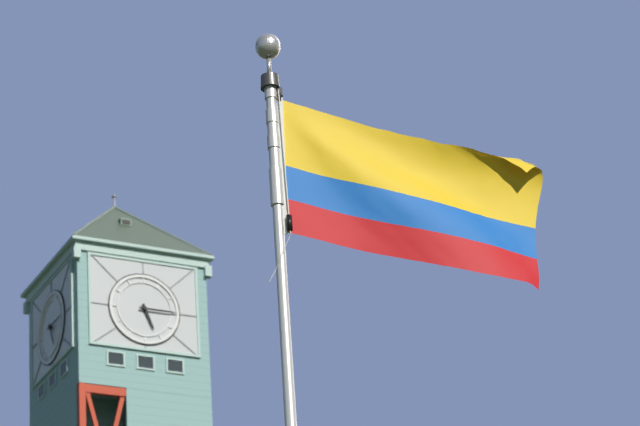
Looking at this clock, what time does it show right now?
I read 5:15
